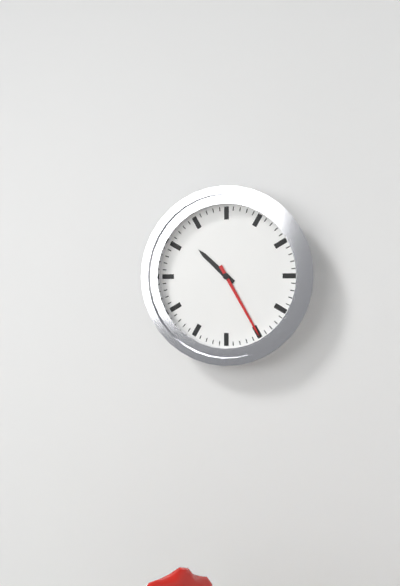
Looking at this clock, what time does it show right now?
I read 10:25
